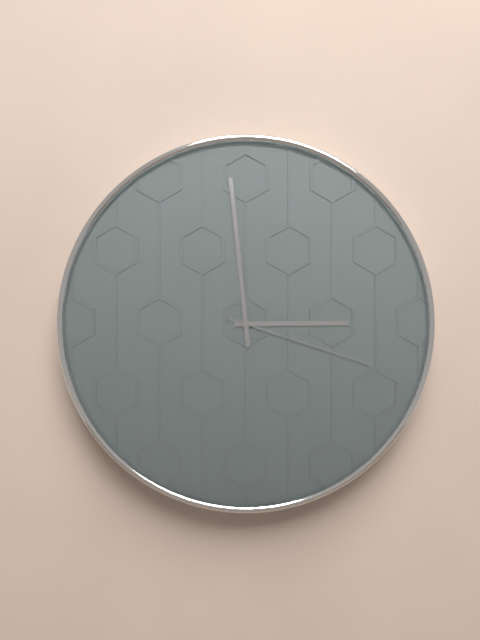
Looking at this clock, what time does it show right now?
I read 2:59:18
